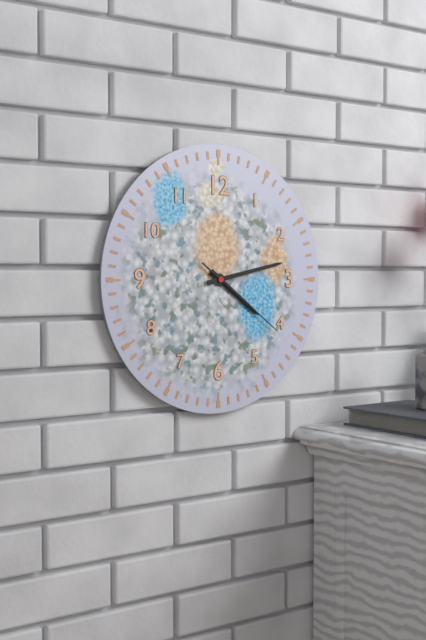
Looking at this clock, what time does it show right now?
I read 4:13:21
